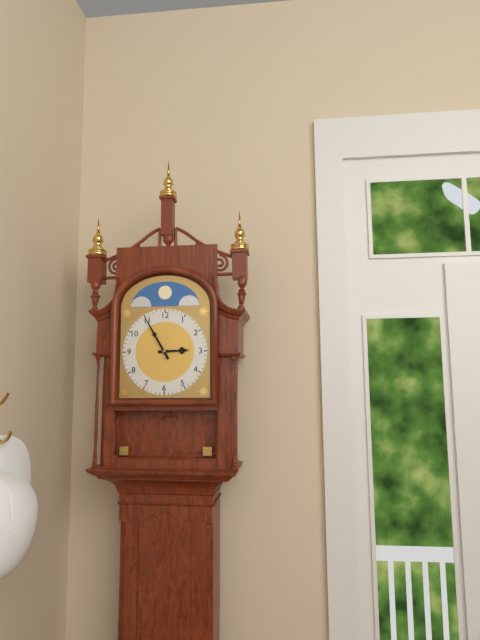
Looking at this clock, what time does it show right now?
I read 2:55
